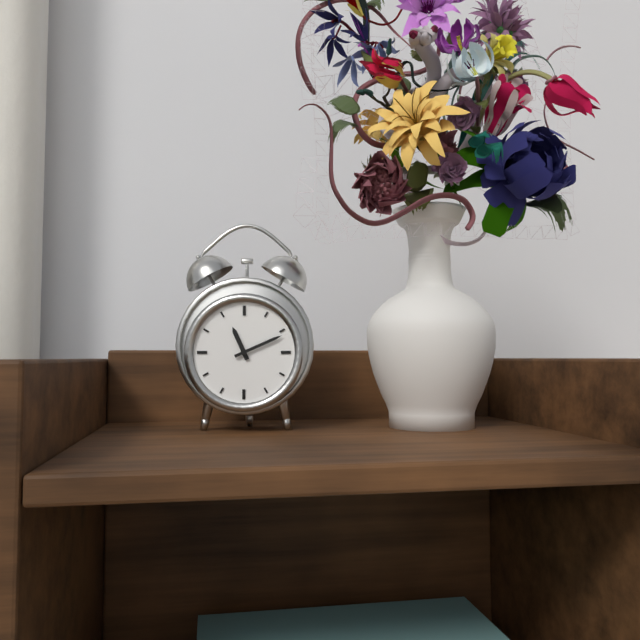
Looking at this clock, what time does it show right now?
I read 11:11
